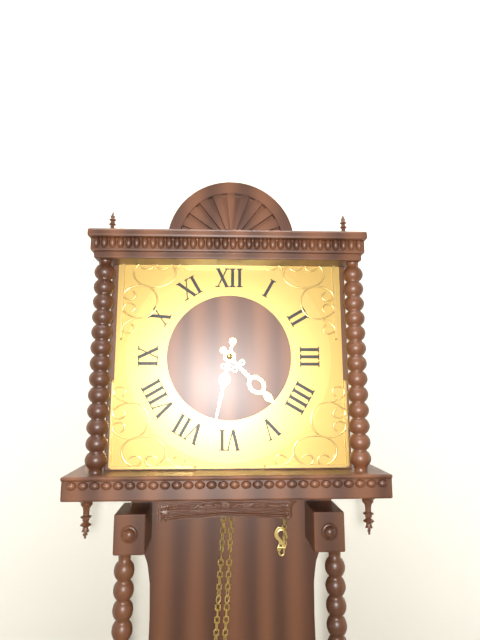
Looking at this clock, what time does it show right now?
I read 4:32
